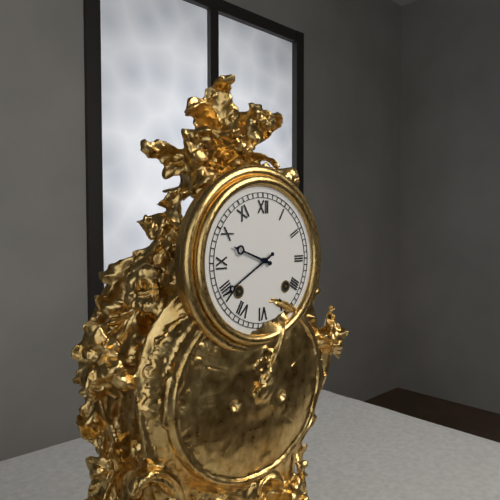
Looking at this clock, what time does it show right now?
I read 9:40
